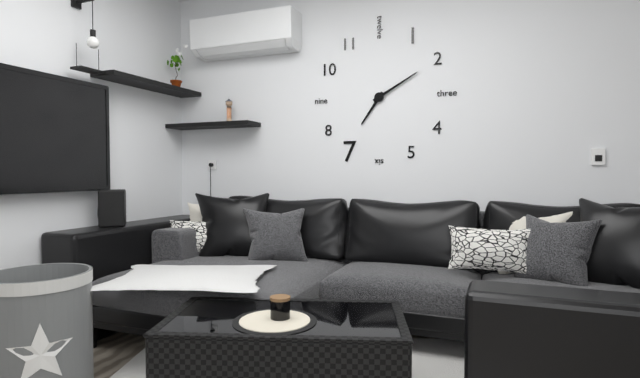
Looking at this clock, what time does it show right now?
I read 7:10
